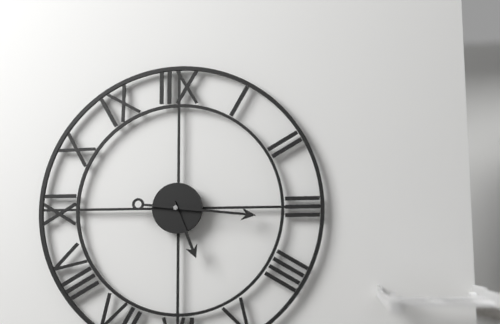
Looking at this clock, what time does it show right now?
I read 5:16
